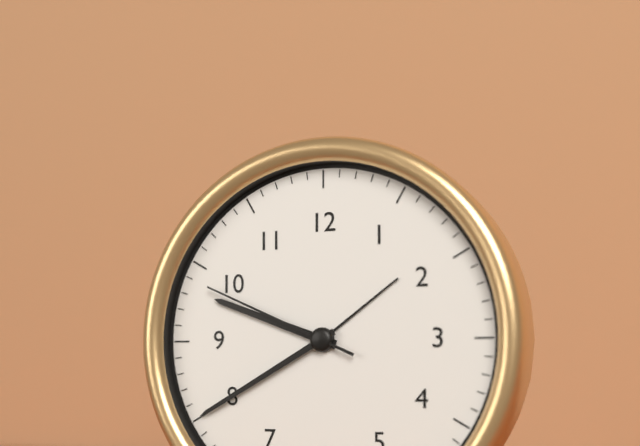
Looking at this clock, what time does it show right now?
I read 9:40:49
